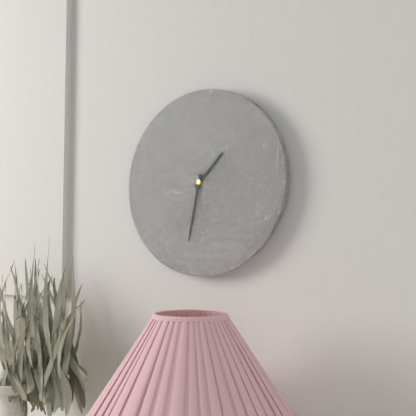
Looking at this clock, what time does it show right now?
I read 1:32
